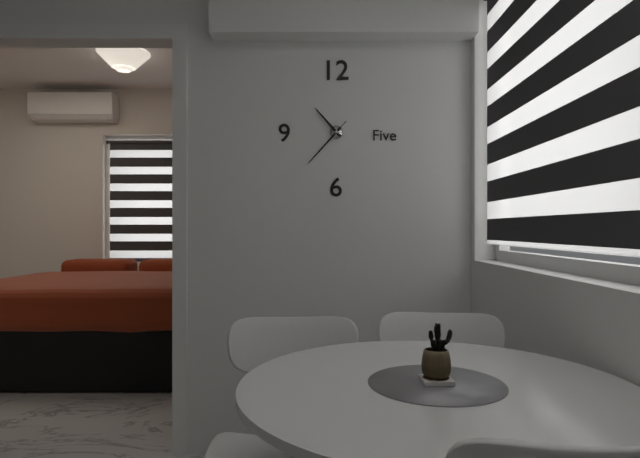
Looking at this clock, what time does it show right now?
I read 10:37:37
